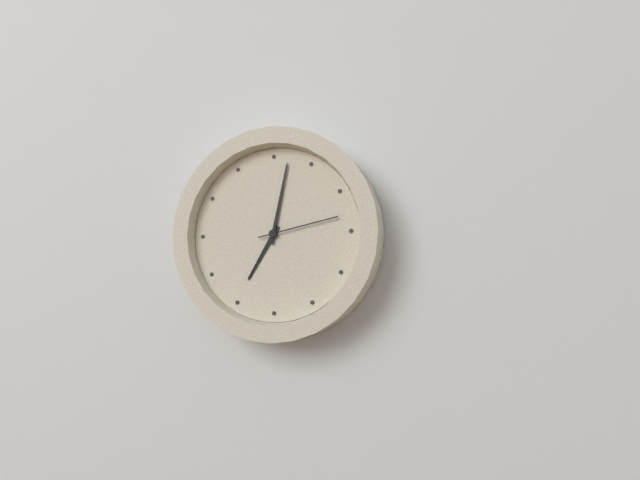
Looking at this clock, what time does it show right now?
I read 7:02:13
